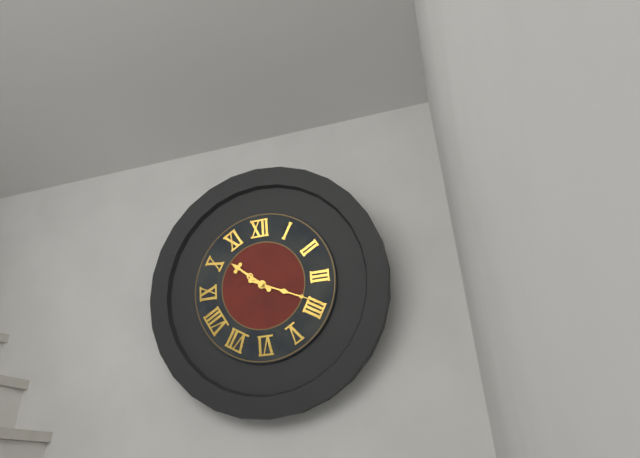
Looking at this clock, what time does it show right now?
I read 10:19
